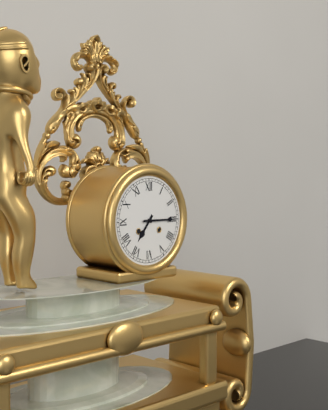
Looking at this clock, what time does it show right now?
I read 7:15
